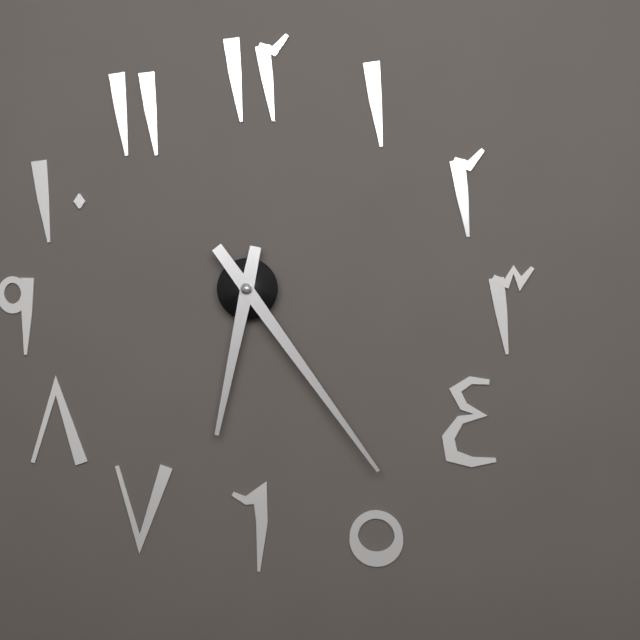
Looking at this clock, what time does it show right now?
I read 6:24
